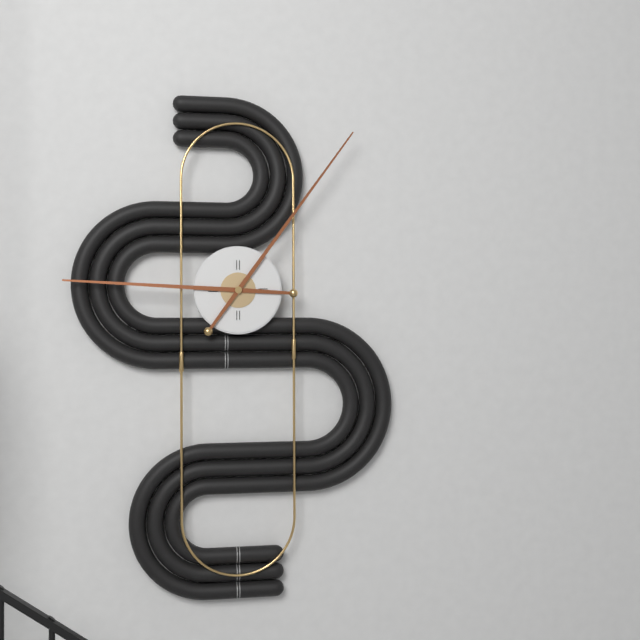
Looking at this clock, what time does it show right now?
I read 9:06
